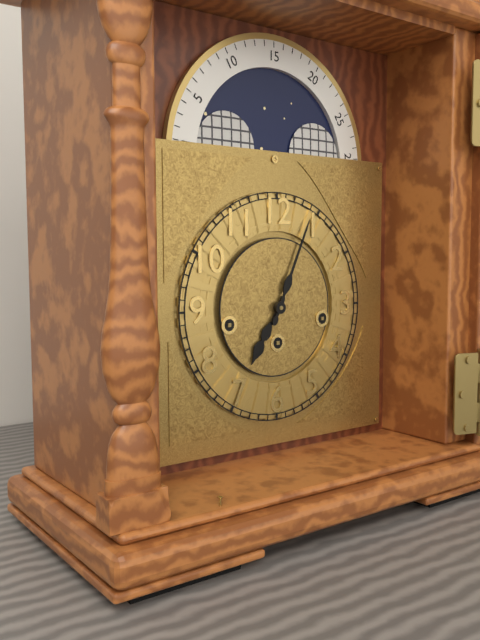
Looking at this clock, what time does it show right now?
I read 7:04
